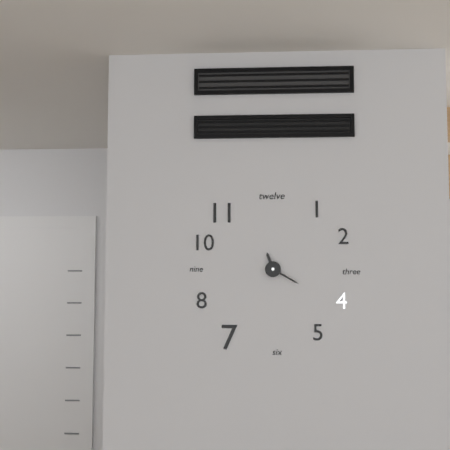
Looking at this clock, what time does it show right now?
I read 11:20
